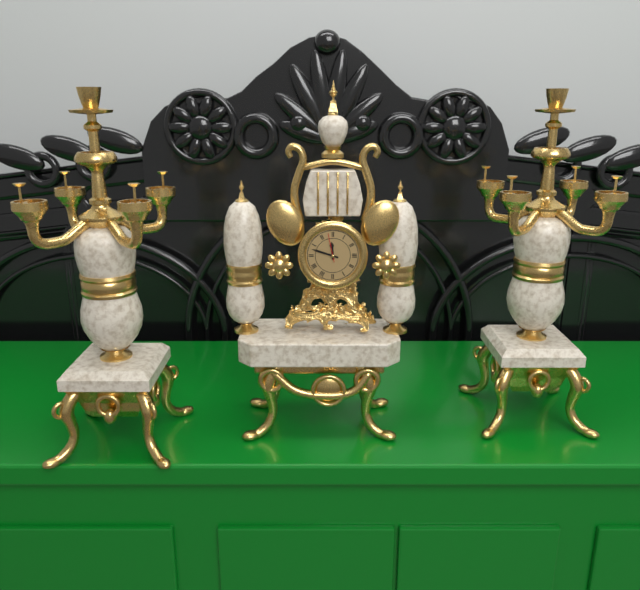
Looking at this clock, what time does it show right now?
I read 11:48
